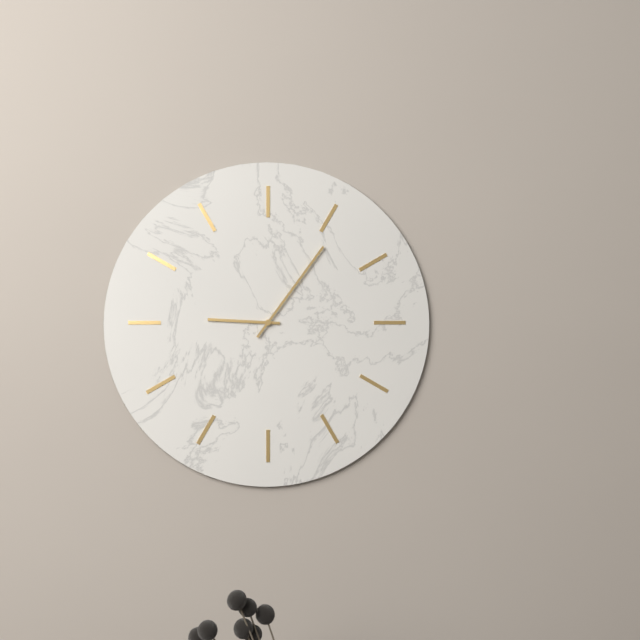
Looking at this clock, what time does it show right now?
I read 9:06
